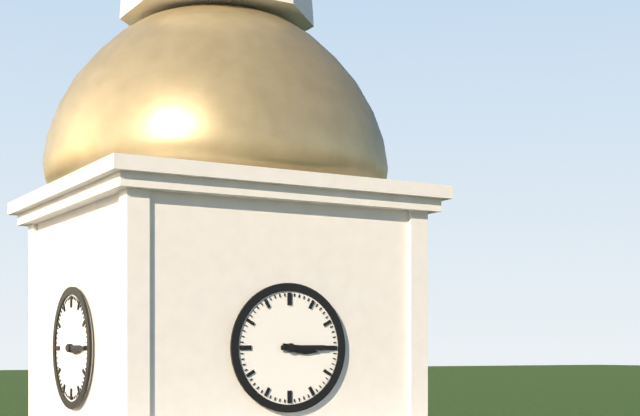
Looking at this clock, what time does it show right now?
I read 3:15
